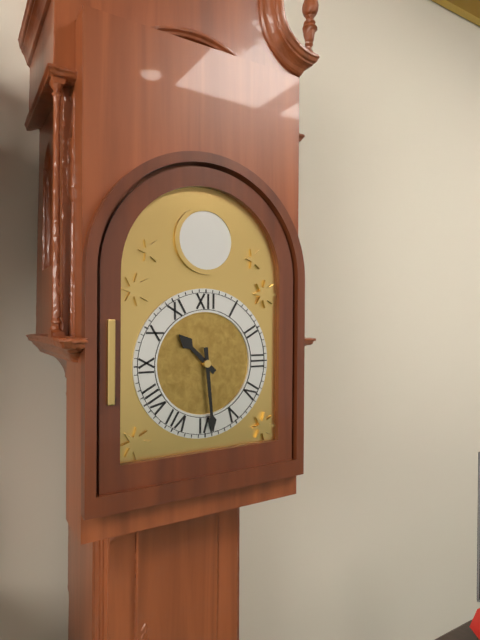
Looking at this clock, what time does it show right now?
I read 10:29
